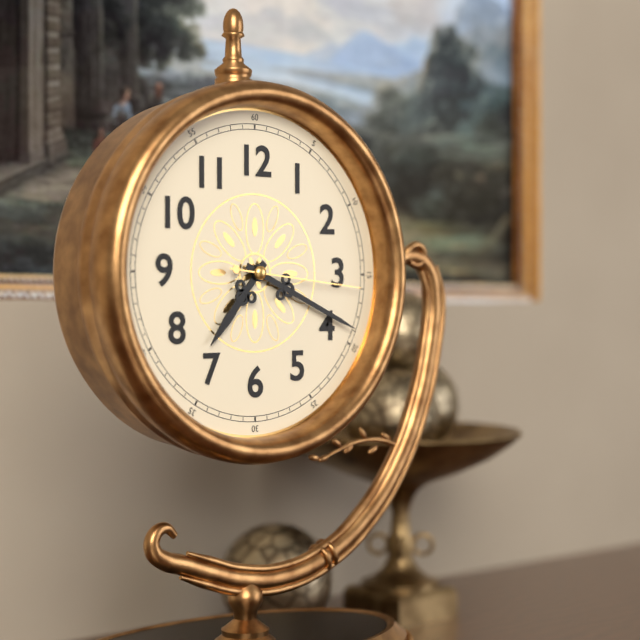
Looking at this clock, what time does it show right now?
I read 7:19:16
